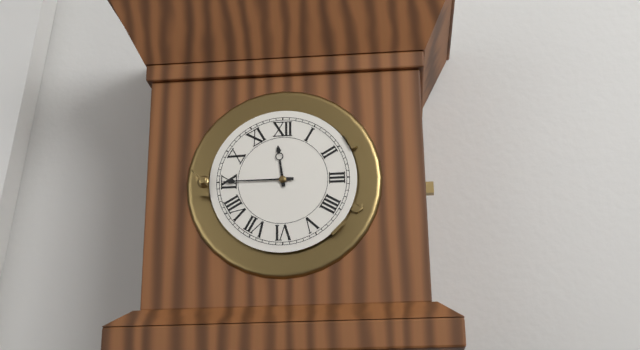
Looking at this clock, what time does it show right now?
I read 11:45
